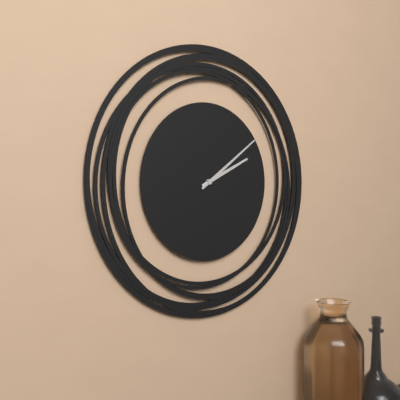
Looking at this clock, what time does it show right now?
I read 2:09
